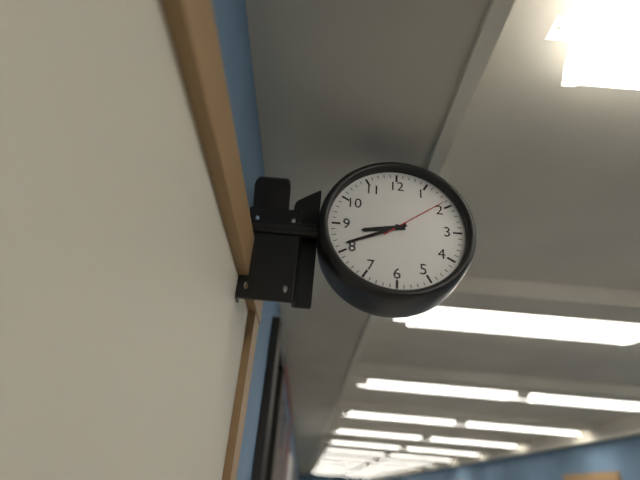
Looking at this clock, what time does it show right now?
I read 8:41:09
